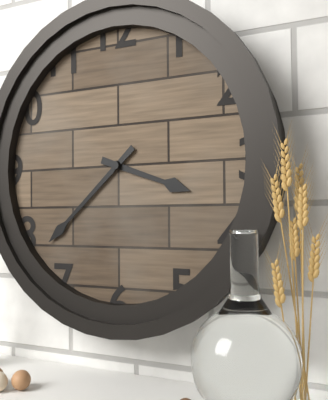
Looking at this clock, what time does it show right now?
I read 3:38
